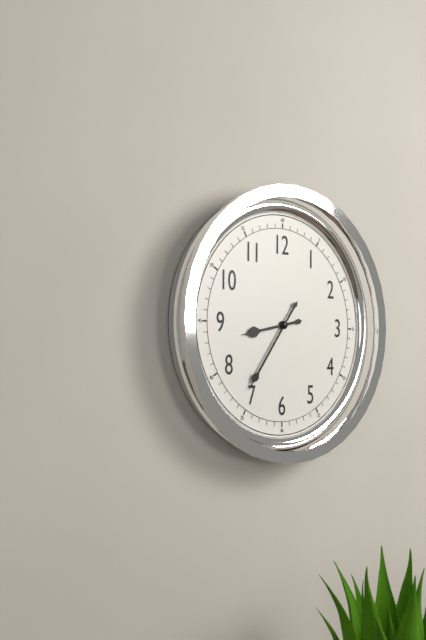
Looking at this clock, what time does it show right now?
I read 8:36
